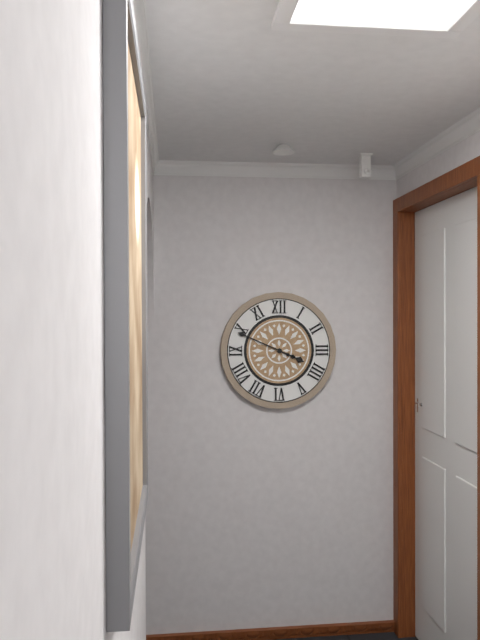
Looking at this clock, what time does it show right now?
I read 3:49
